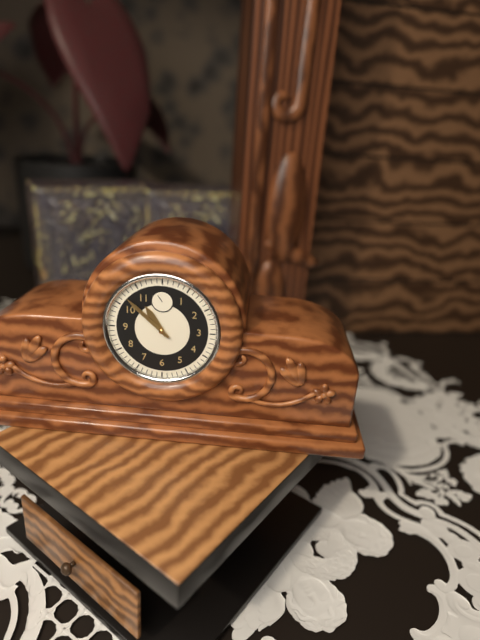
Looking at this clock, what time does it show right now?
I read 10:52
